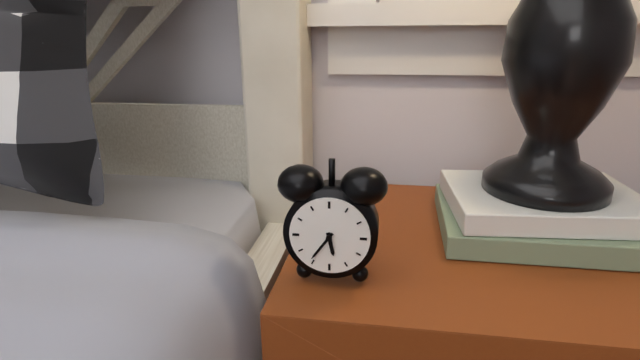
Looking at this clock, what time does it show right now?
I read 5:36
